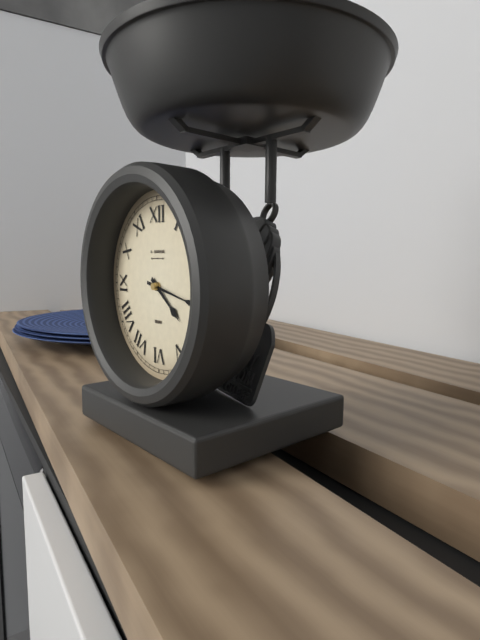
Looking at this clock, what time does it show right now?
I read 4:17
